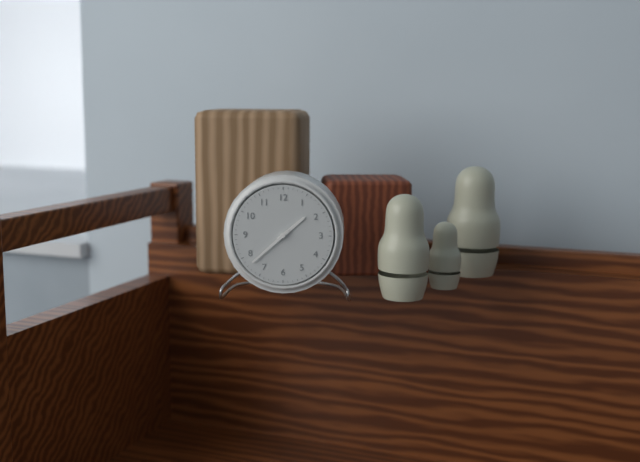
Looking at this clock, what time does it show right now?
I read 1:38
